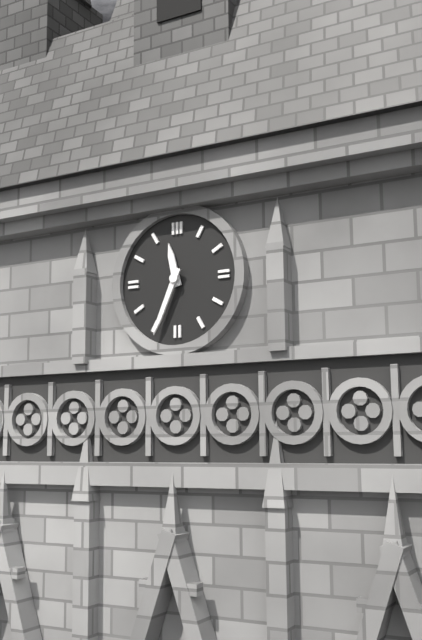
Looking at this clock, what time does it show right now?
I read 11:34
